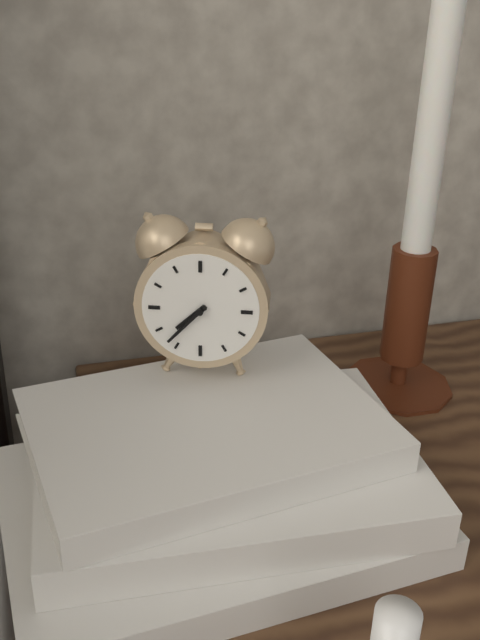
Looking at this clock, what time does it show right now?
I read 7:37
